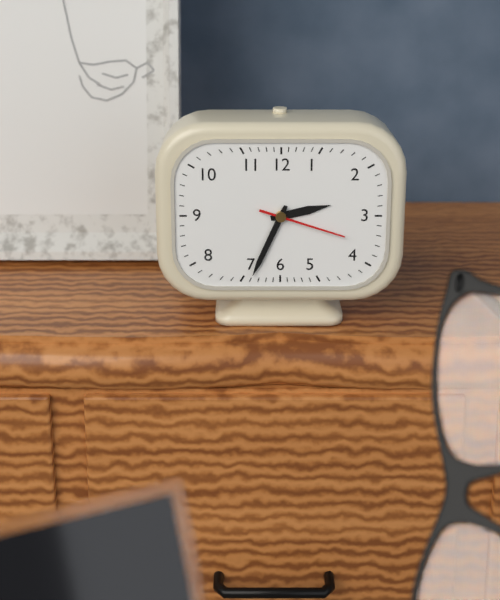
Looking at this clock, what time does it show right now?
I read 2:34:18
